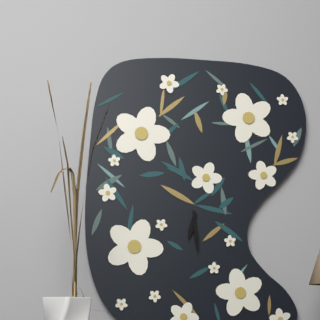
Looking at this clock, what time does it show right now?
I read 6:29
